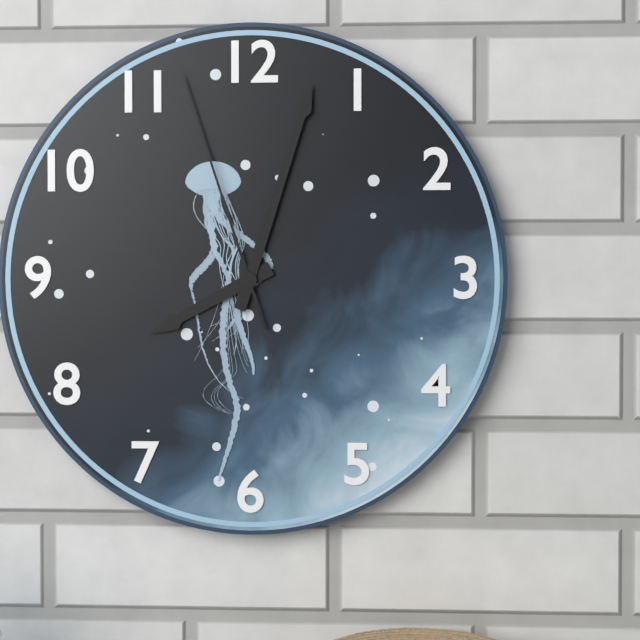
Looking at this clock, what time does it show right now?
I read 8:03:57
